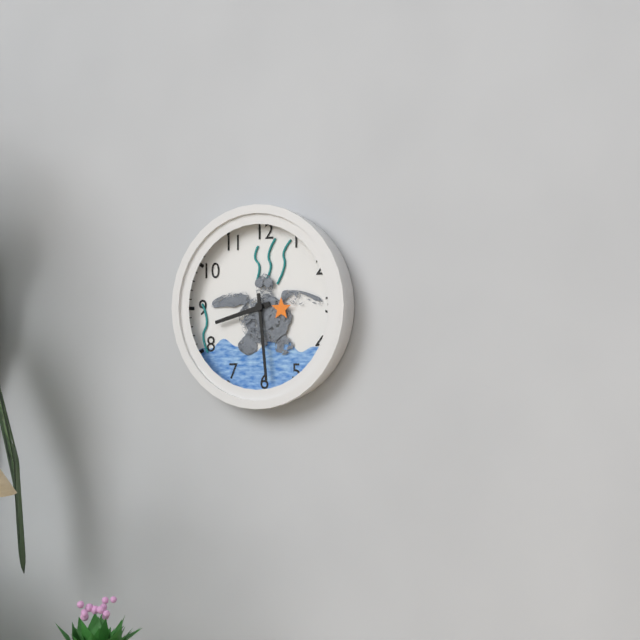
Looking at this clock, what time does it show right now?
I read 8:29
